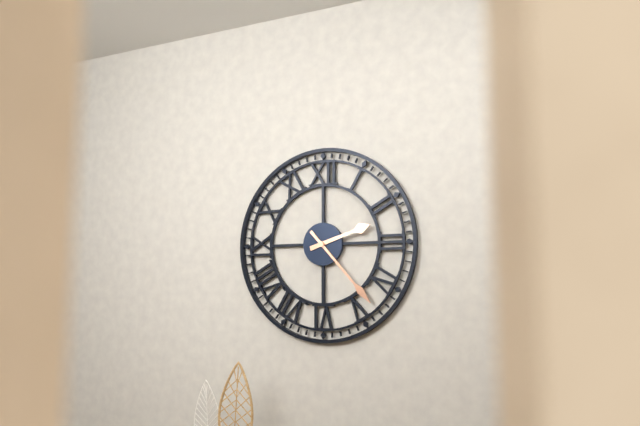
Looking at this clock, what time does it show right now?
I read 2:23
